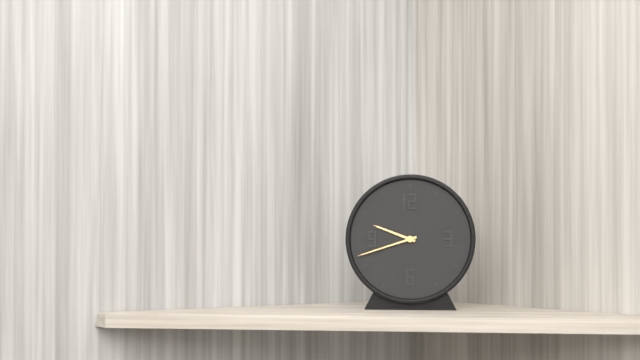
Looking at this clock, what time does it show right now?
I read 9:42
